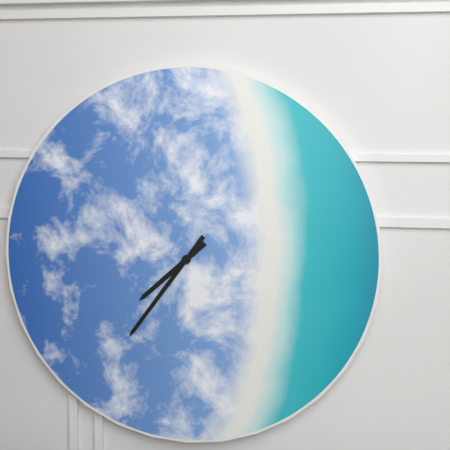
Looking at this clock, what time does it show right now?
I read 7:36
